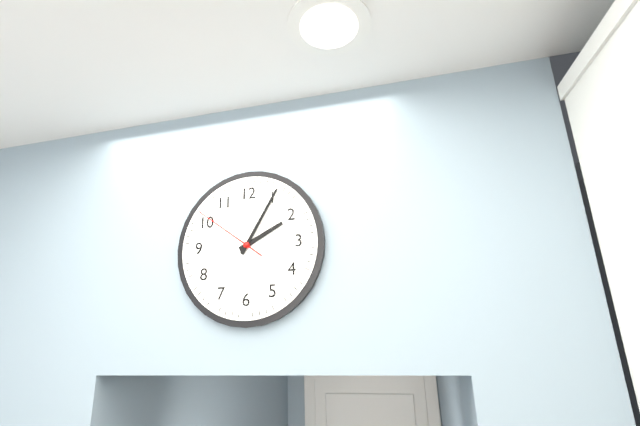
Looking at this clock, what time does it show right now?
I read 2:05:51
